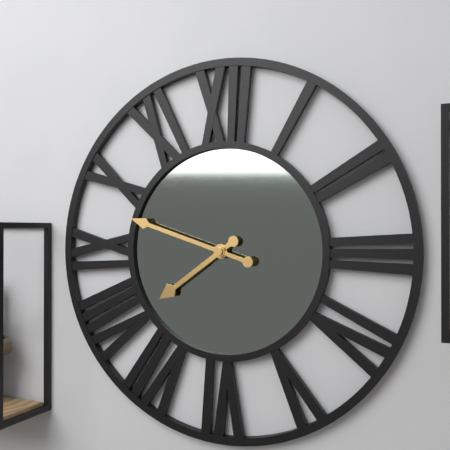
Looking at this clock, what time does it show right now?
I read 7:48
